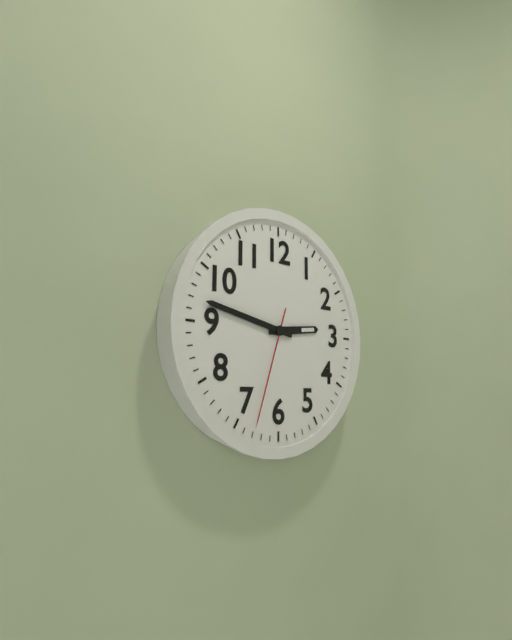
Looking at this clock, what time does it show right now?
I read 2:47:33
